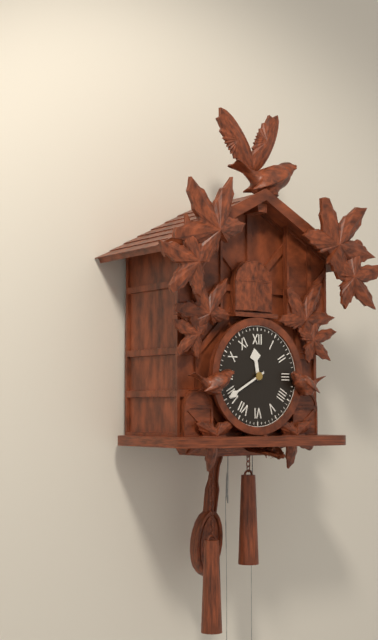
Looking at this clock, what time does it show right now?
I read 11:40
